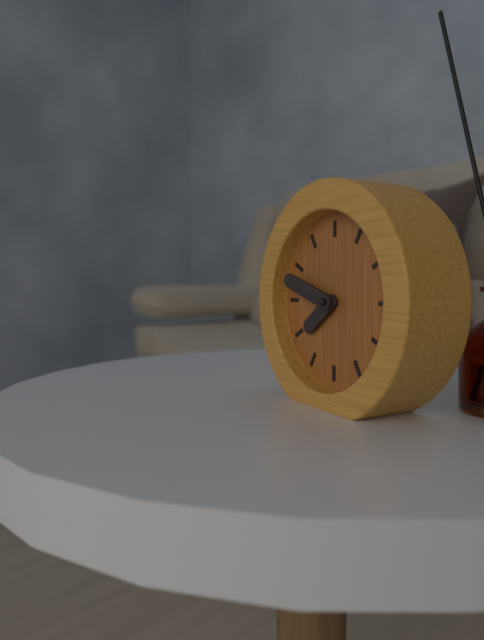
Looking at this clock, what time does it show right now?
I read 7:48
